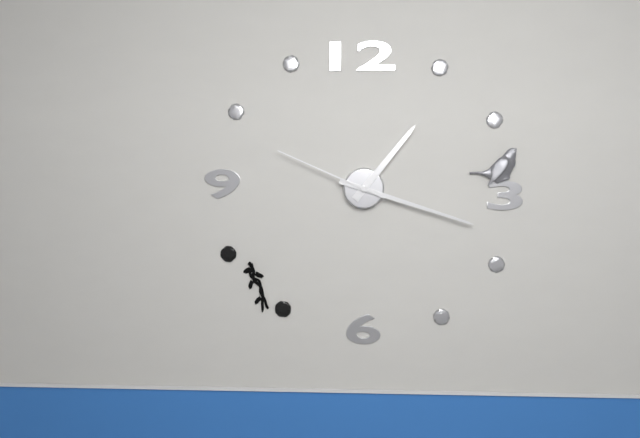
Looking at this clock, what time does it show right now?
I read 1:18:49
